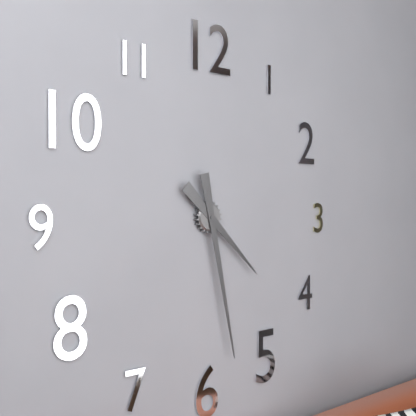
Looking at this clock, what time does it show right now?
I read 4:28
